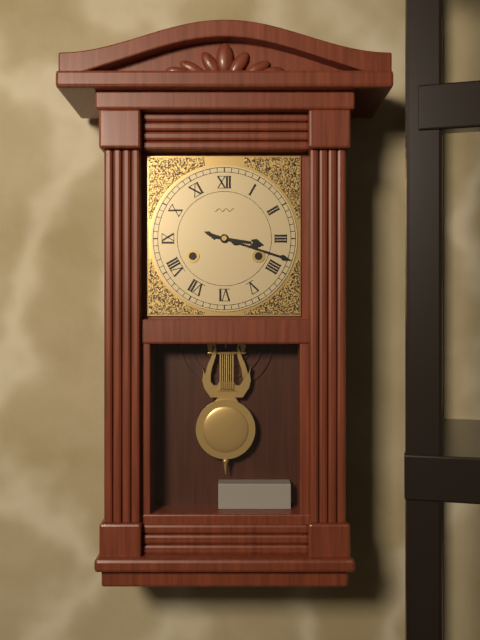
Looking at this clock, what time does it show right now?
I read 3:18
